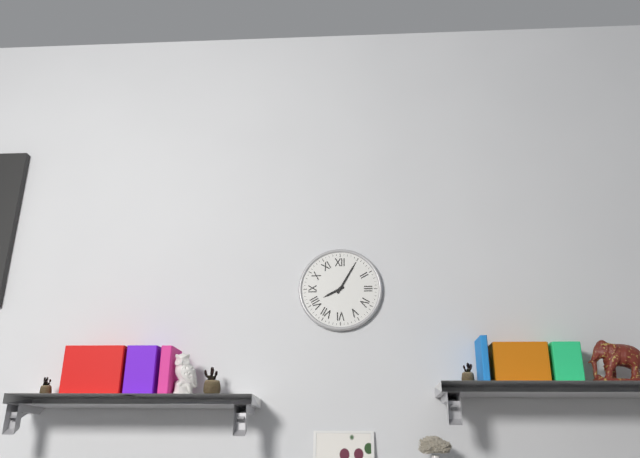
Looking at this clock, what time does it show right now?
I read 8:05
